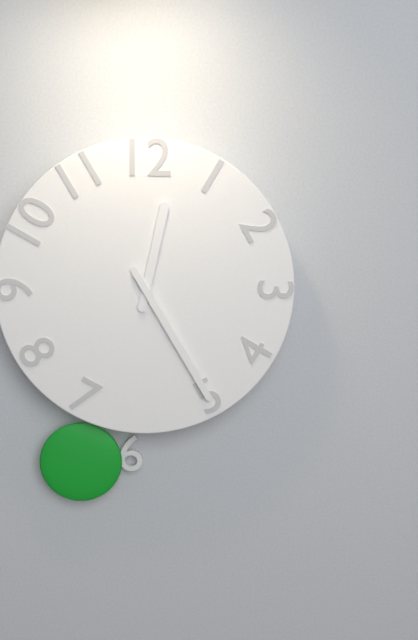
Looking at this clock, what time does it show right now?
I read 12:25
